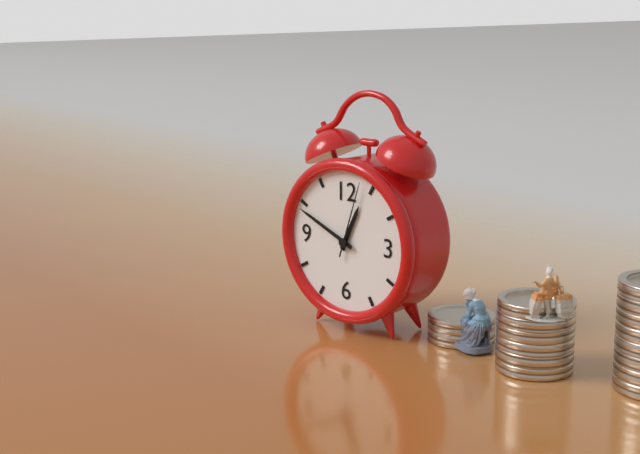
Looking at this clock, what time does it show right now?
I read 12:49:03
